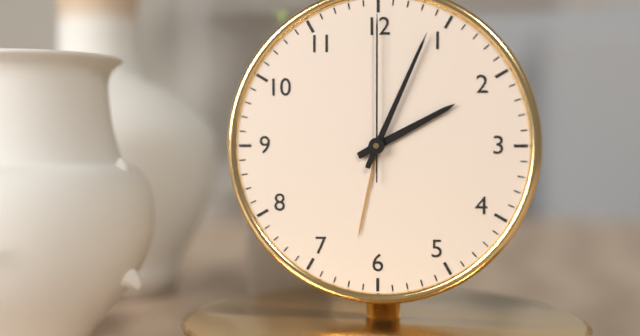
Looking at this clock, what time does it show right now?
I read 2:04:00
